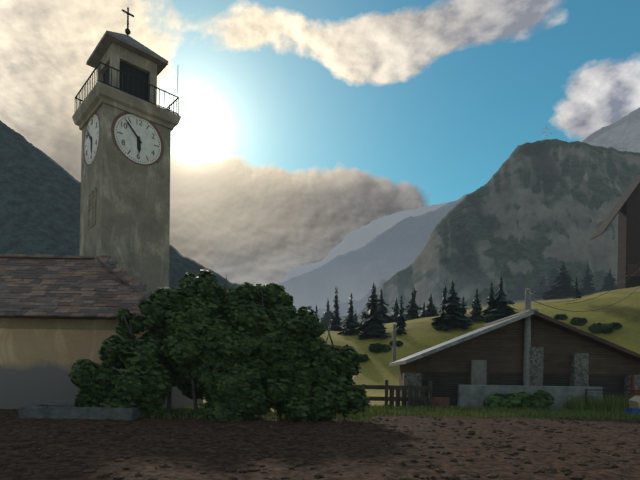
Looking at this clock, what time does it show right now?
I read 5:53
